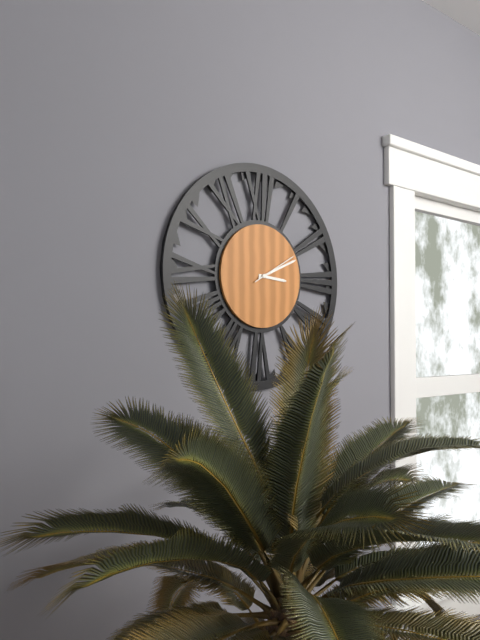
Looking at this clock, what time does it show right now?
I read 3:11:10
